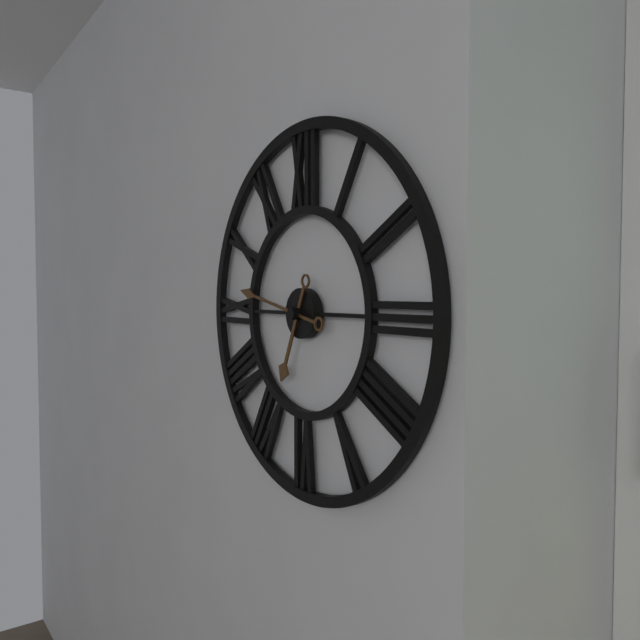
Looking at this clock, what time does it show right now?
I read 6:47
